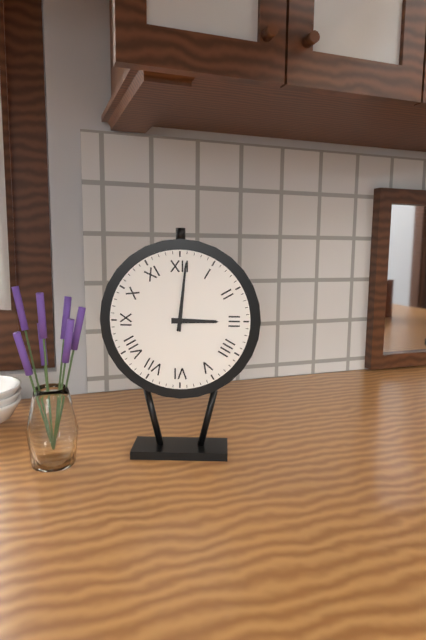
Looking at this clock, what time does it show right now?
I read 3:01
